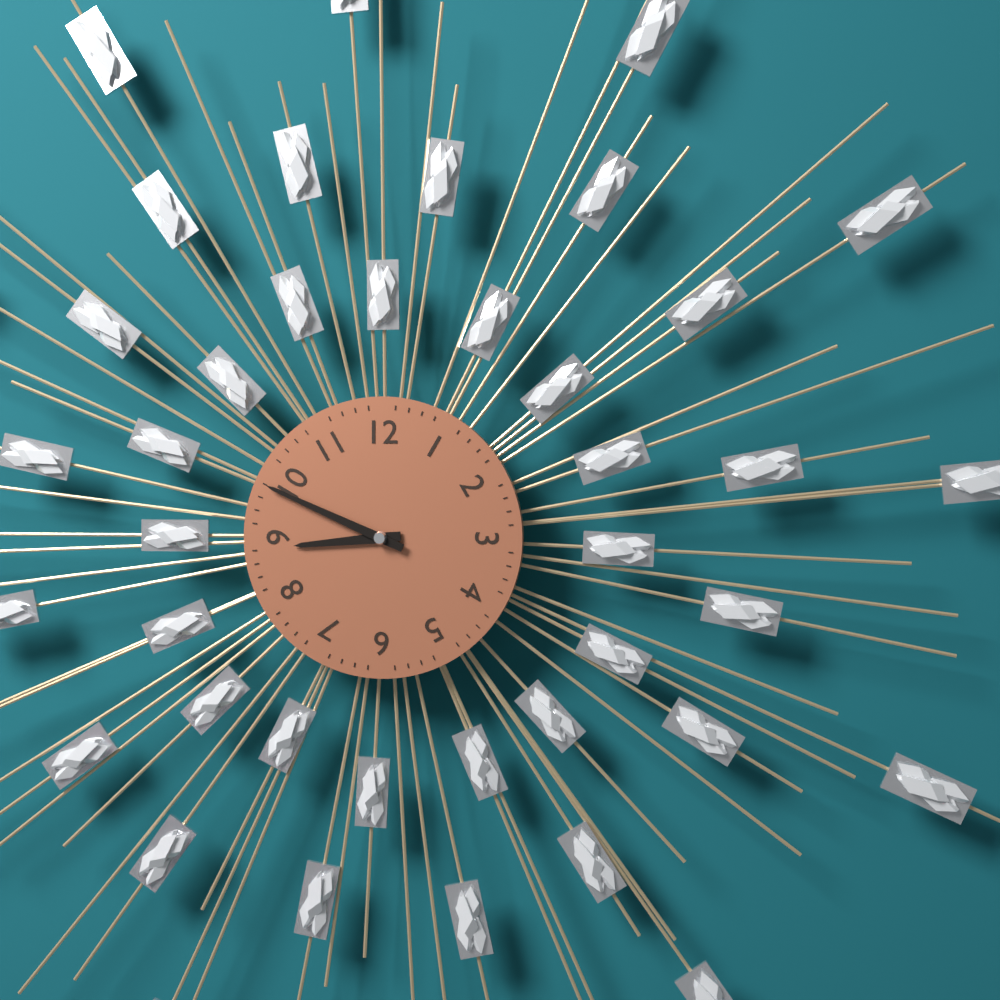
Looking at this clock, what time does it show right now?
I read 8:49
